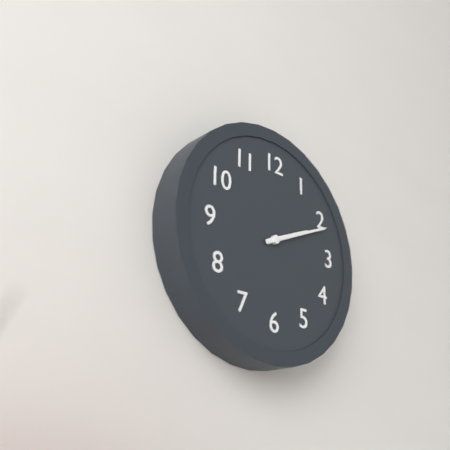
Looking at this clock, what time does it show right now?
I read 2:11
